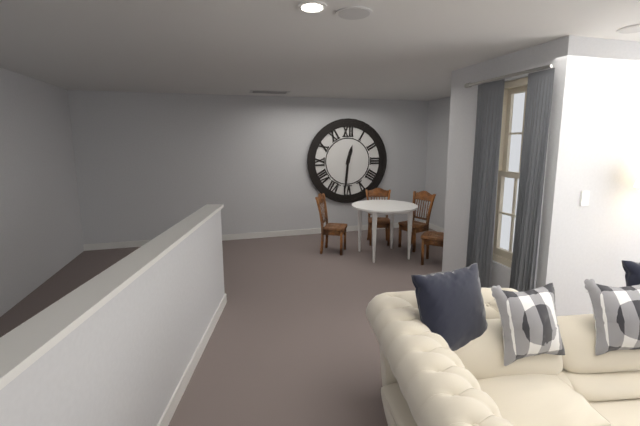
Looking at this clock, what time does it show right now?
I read 12:31
